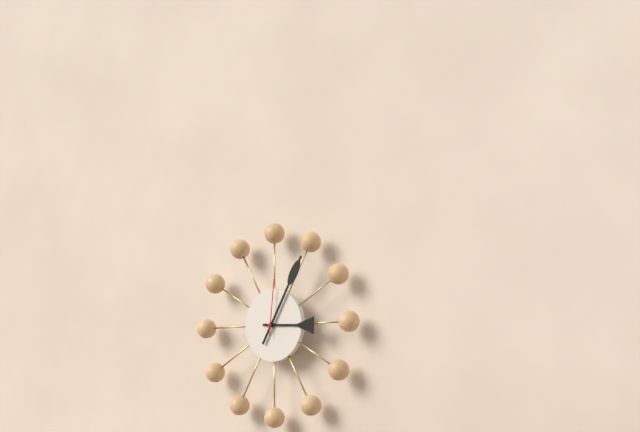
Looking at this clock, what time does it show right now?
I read 3:05:01
